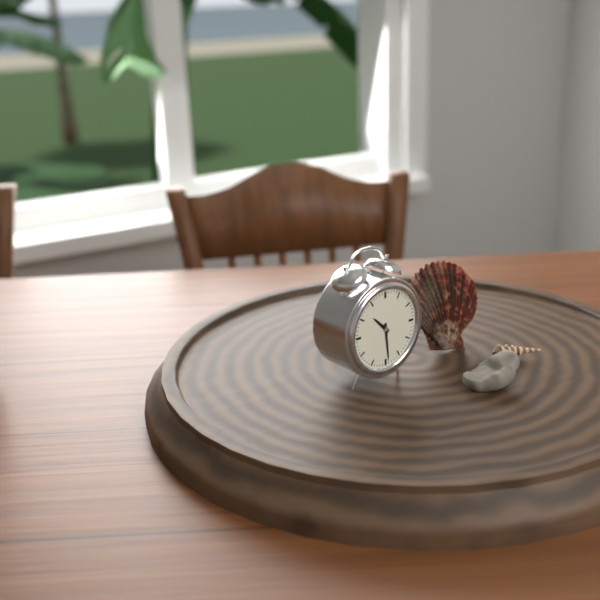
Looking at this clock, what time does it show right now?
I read 10:29
